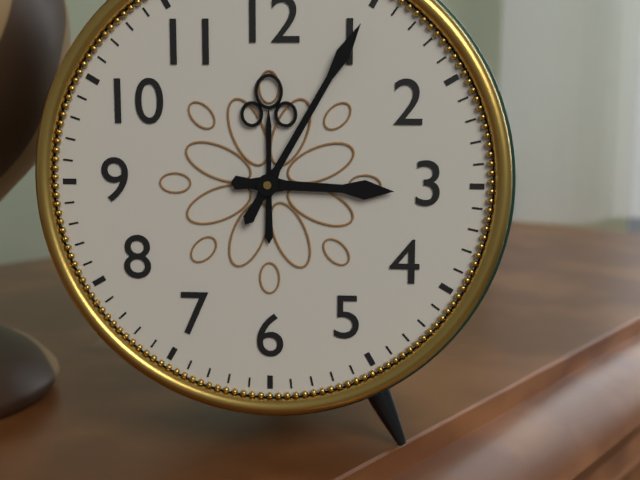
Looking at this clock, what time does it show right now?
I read 3:05
